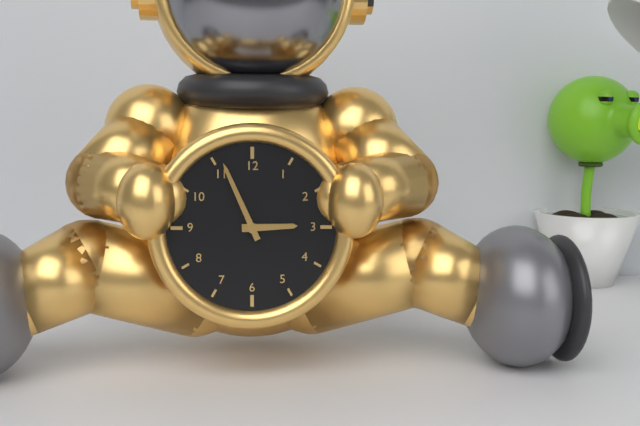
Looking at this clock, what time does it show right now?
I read 2:56
